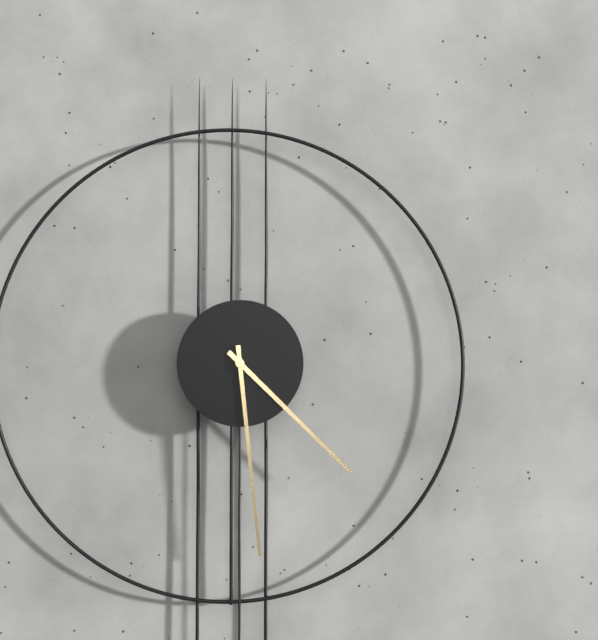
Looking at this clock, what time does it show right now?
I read 4:29
